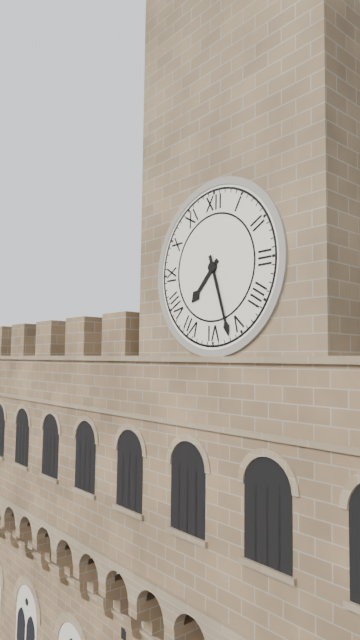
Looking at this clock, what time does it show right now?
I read 7:27
